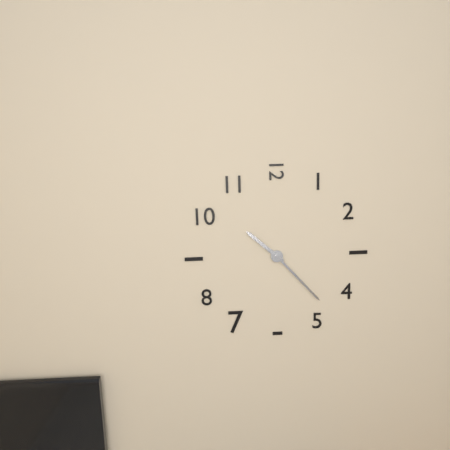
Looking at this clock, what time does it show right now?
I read 10:23
